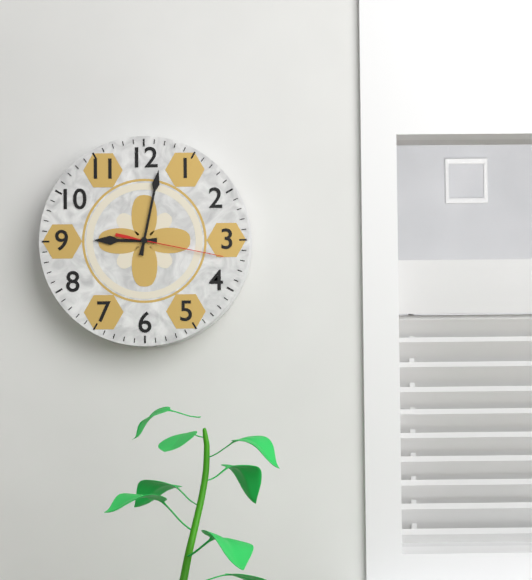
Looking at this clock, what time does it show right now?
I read 9:02:17
